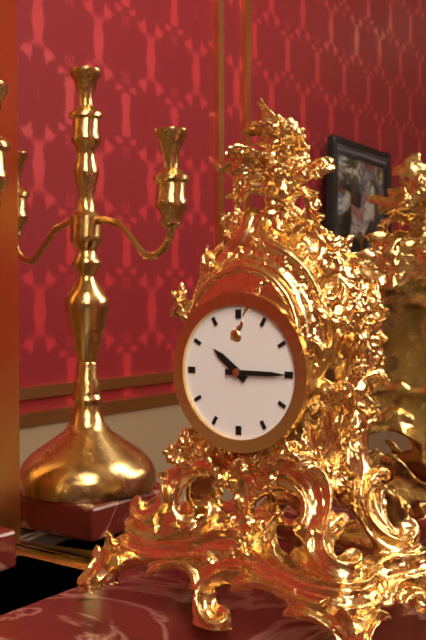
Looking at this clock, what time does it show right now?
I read 10:15
